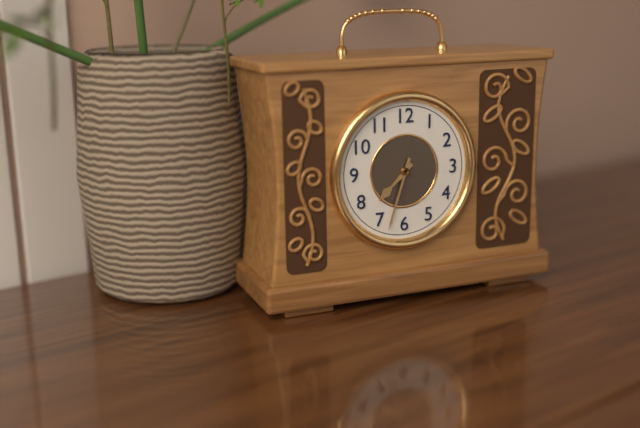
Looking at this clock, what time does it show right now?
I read 7:33
